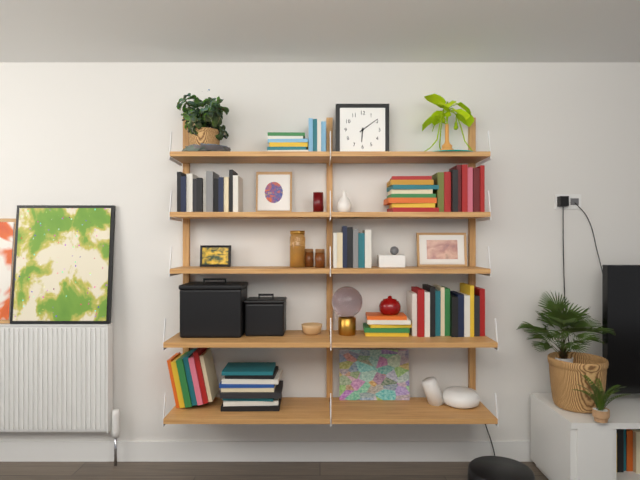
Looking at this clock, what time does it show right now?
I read 6:09
